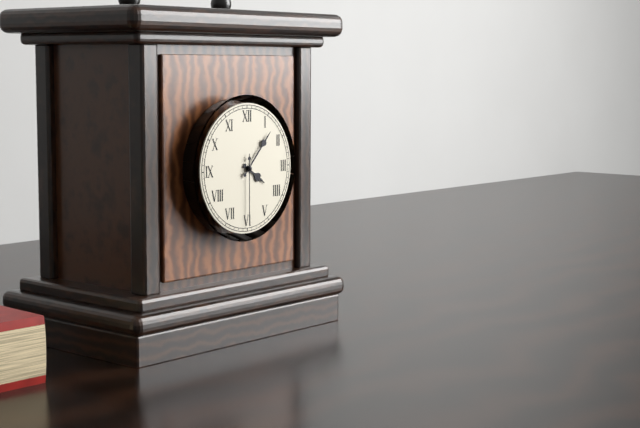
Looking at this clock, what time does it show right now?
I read 4:07:30
